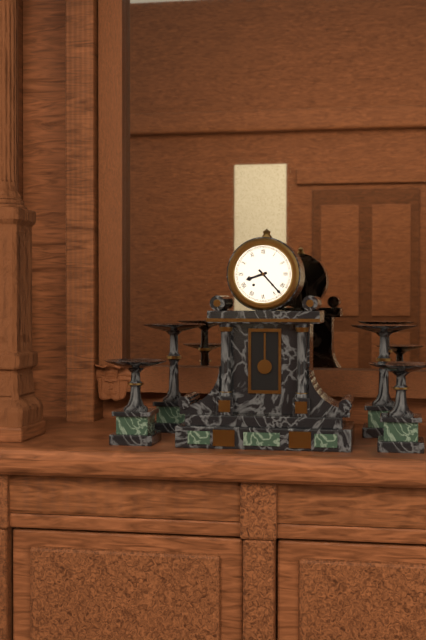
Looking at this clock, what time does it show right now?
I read 8:23
